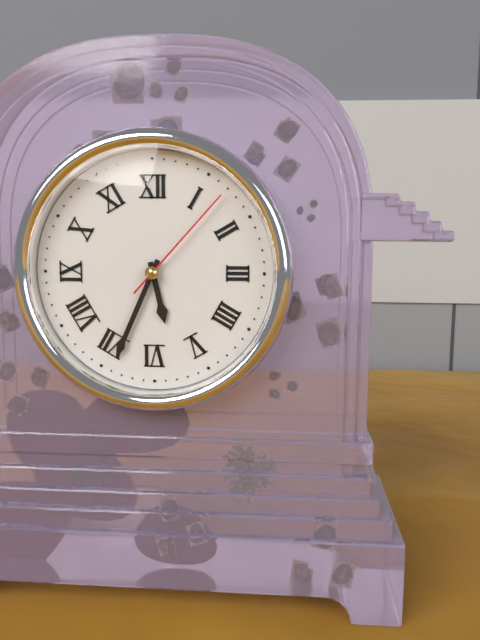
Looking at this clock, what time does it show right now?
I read 5:34:07
